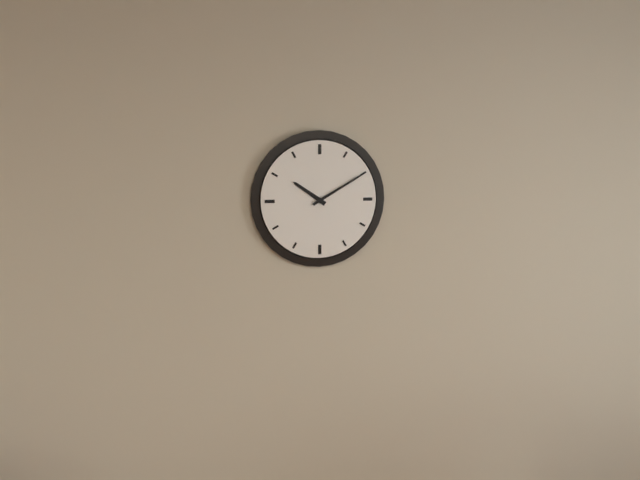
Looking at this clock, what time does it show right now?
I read 10:10
